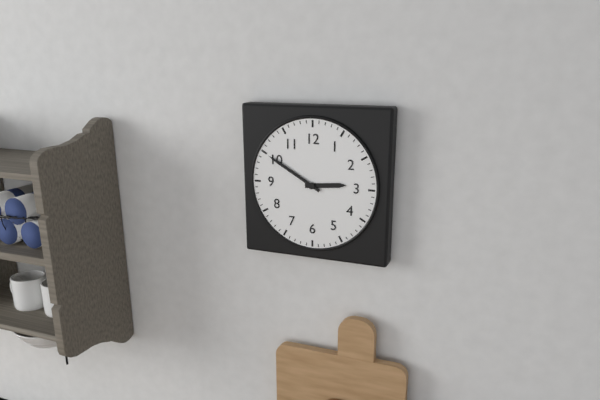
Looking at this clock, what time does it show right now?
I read 2:50
